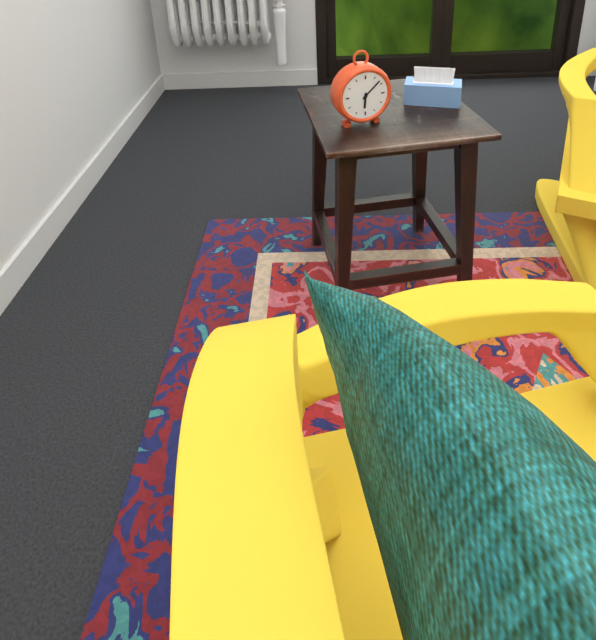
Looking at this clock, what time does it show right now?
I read 6:08
